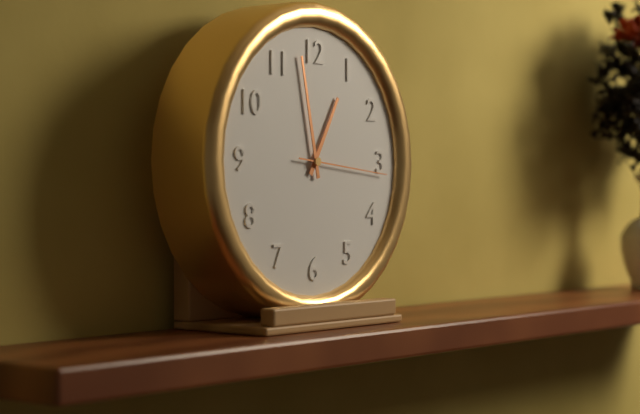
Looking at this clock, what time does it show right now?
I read 12:58:16
